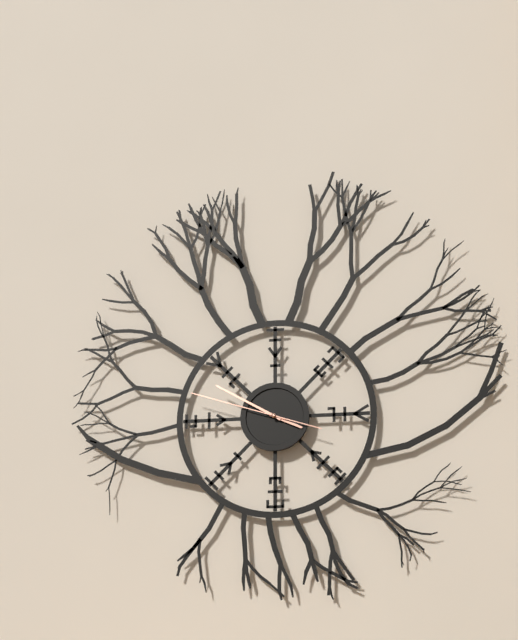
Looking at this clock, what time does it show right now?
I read 3:50:48
